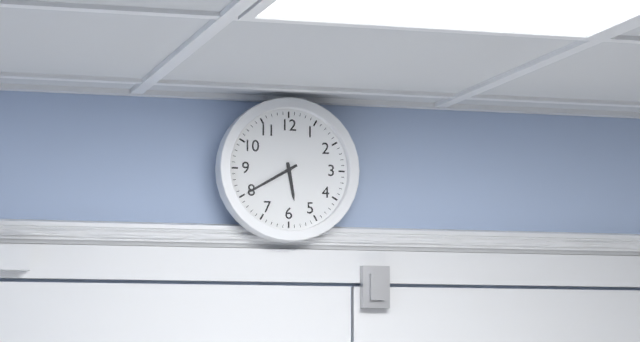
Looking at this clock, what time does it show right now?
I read 5:40
